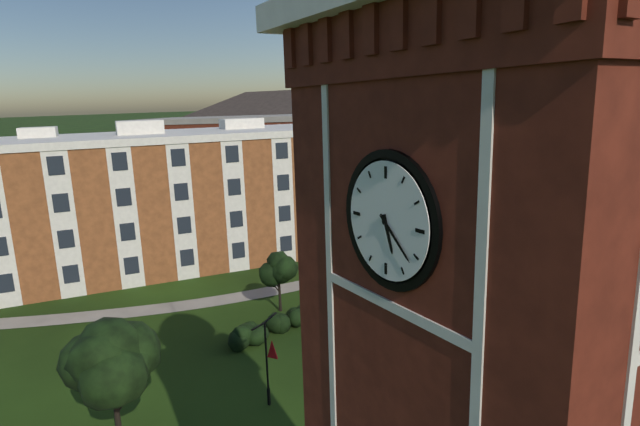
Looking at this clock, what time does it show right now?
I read 5:22
